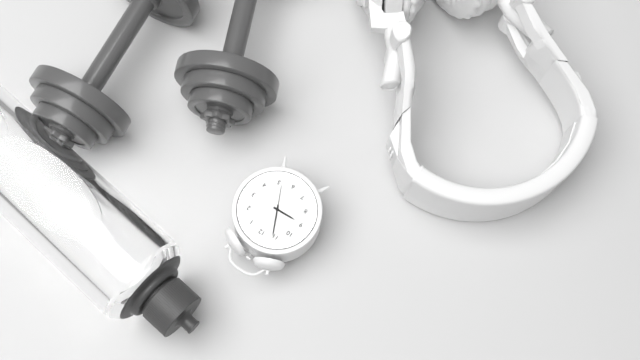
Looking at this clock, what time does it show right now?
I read 8:56
